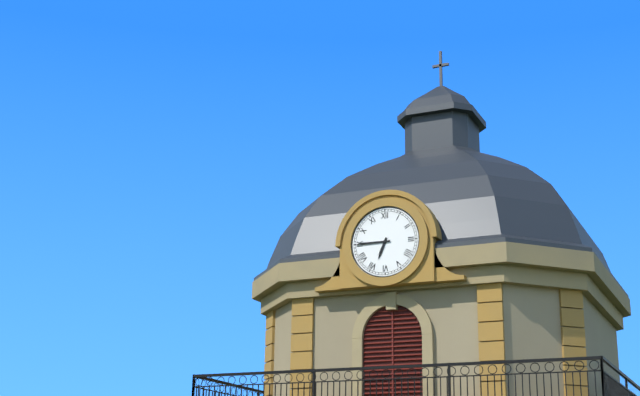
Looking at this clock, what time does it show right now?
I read 6:45
